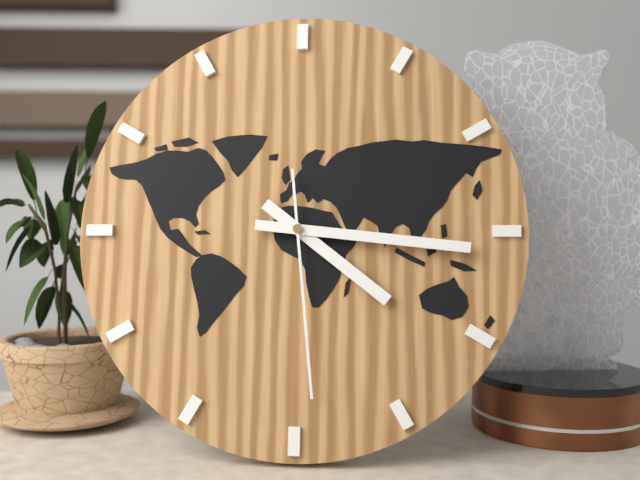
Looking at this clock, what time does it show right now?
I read 4:16:29
